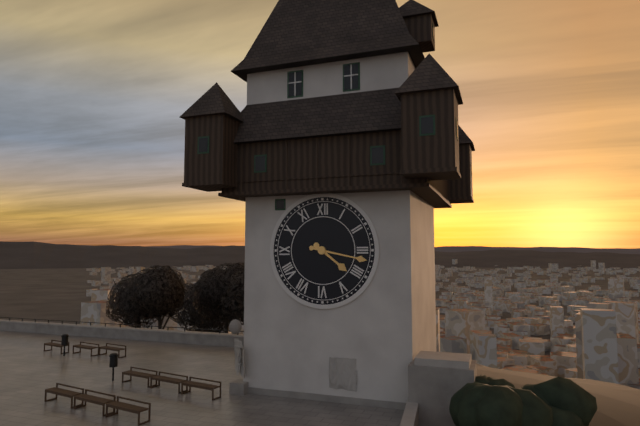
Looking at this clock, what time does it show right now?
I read 4:17
